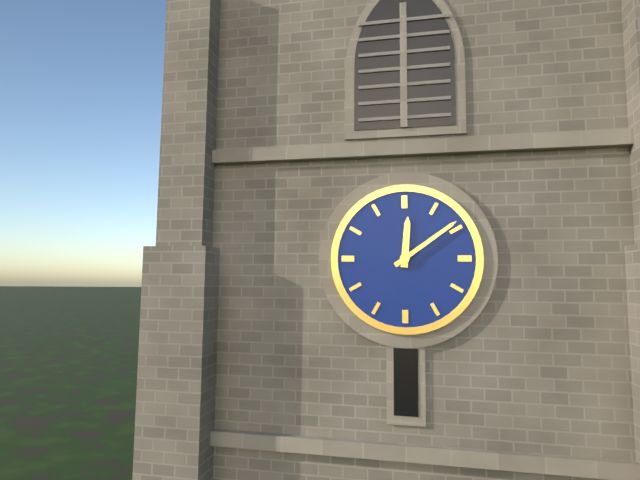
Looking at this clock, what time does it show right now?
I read 12:09
